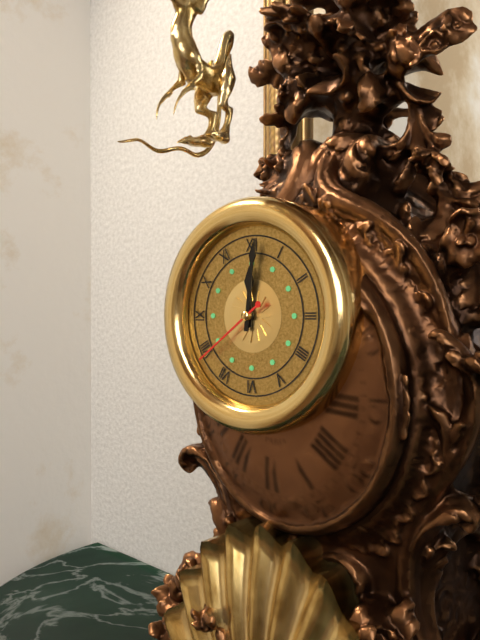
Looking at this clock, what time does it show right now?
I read 12:01:39
